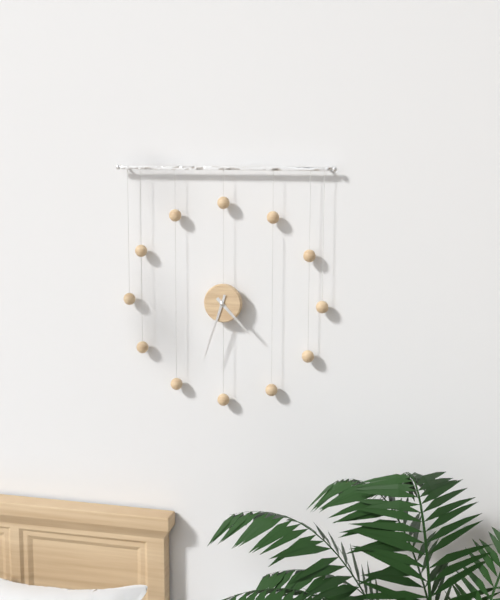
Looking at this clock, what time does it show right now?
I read 4:33
